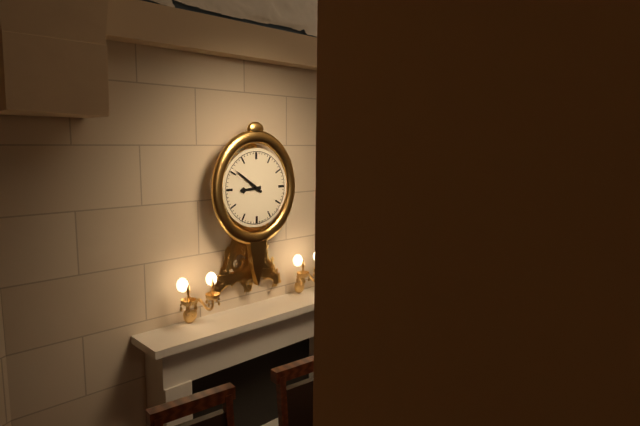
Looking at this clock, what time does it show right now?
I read 8:51
